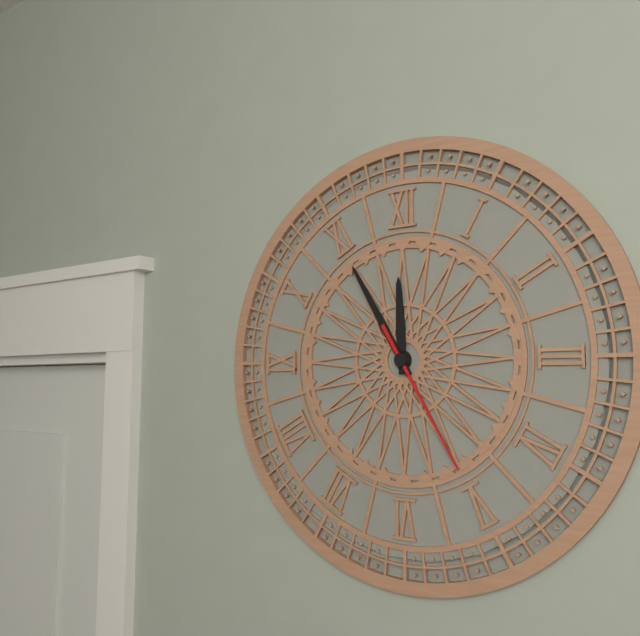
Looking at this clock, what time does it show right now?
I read 11:55:25
